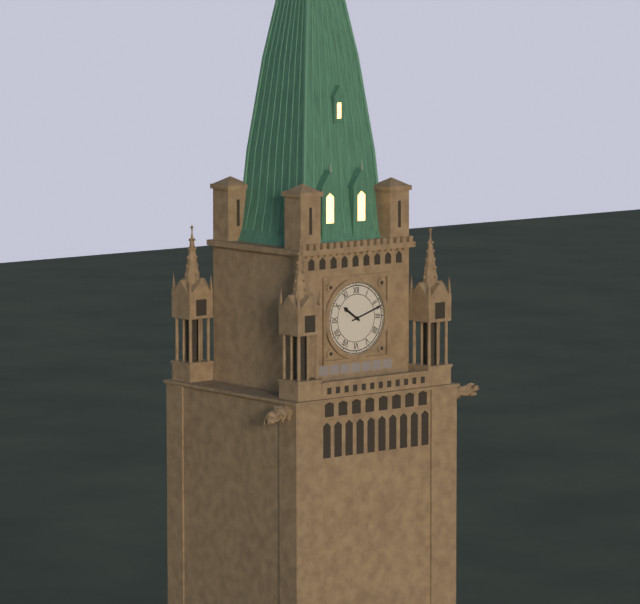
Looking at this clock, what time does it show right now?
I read 10:12
